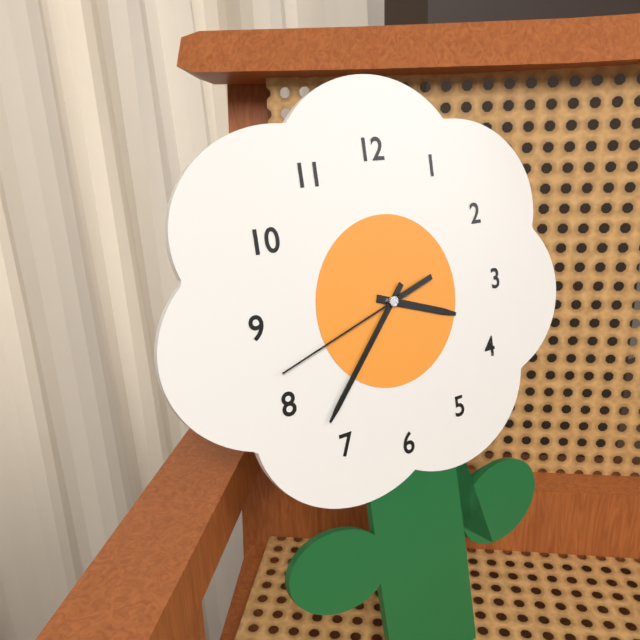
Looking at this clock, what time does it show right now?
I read 3:37:42
